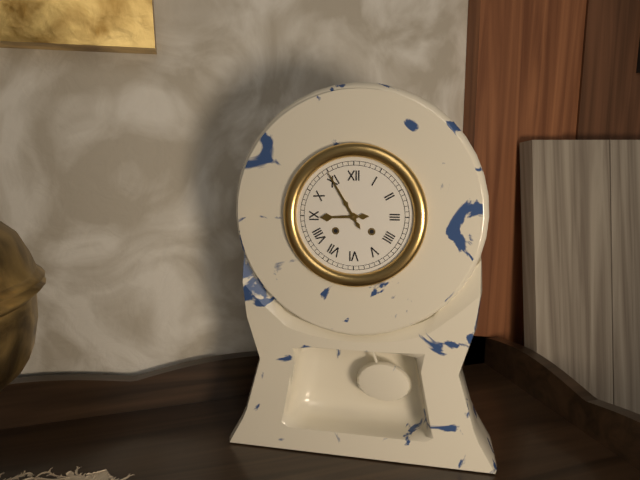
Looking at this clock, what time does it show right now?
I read 8:55
